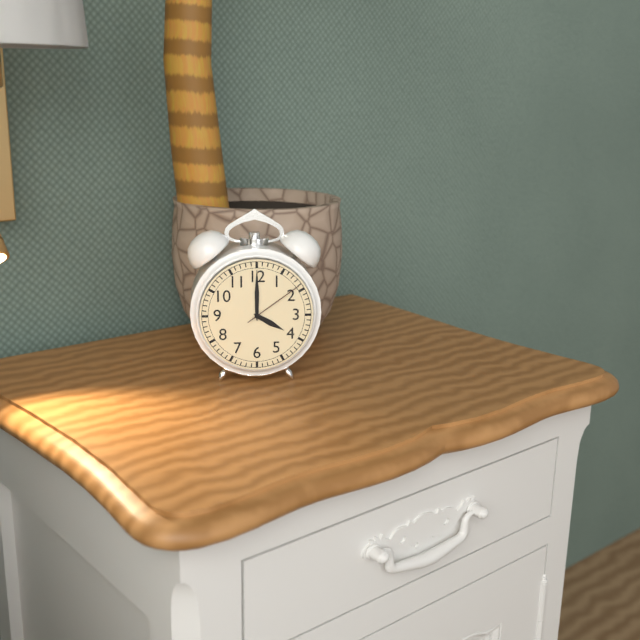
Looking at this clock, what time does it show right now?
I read 4:00:09
